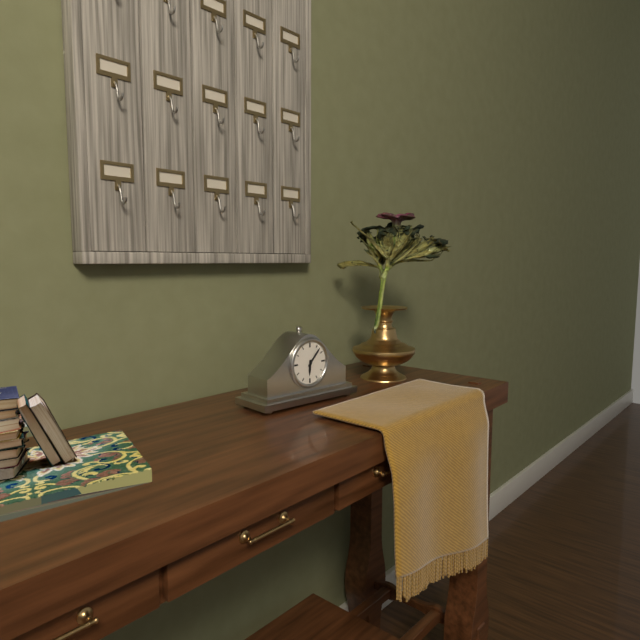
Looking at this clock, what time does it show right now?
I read 6:07
